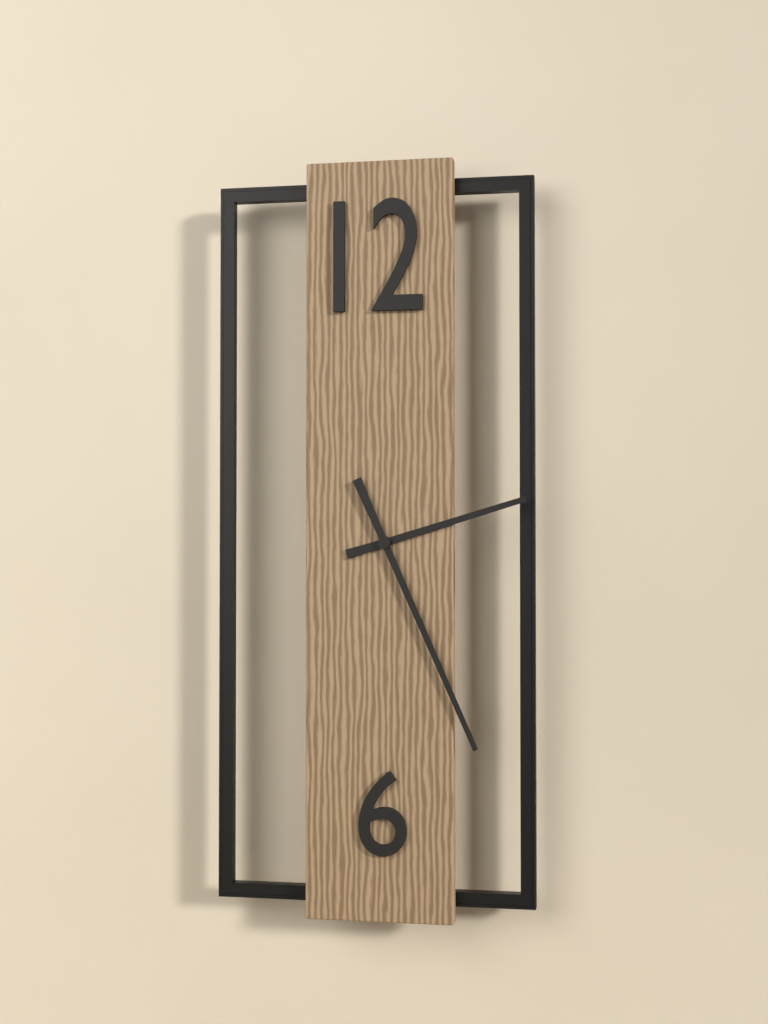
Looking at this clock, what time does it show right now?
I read 2:26
